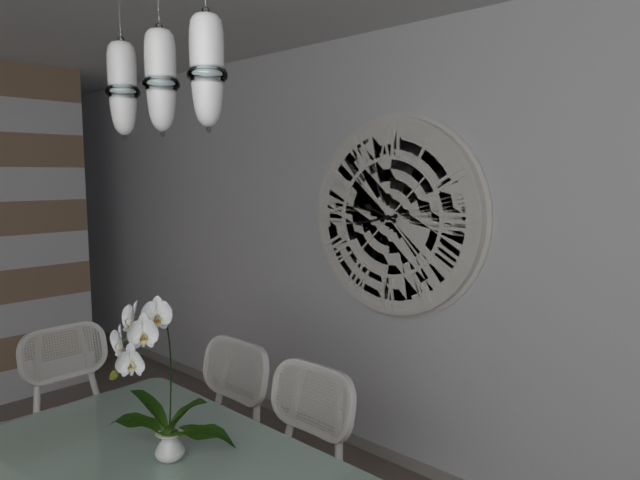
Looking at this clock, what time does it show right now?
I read 9:43
